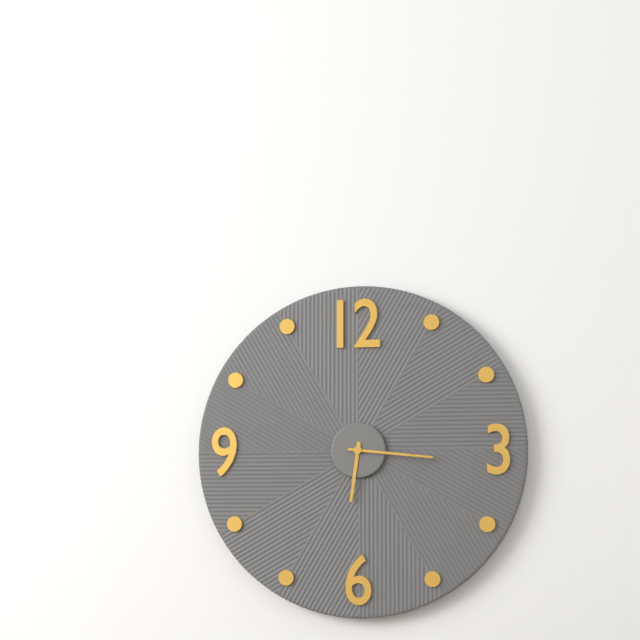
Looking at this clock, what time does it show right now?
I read 6:16
